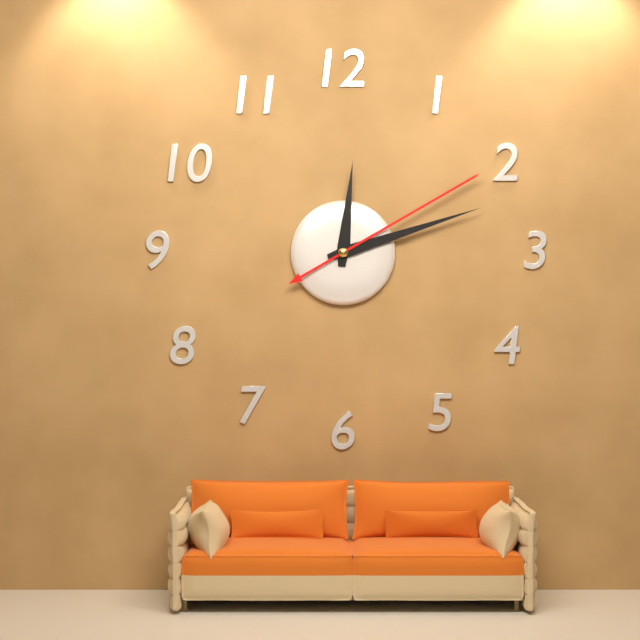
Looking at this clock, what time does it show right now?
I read 12:12:10
